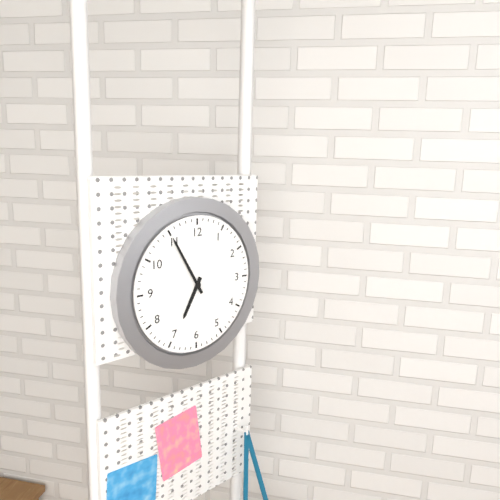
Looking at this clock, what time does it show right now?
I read 6:55
